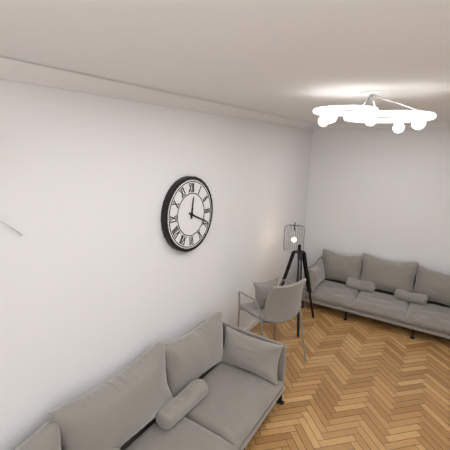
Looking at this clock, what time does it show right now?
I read 12:19
